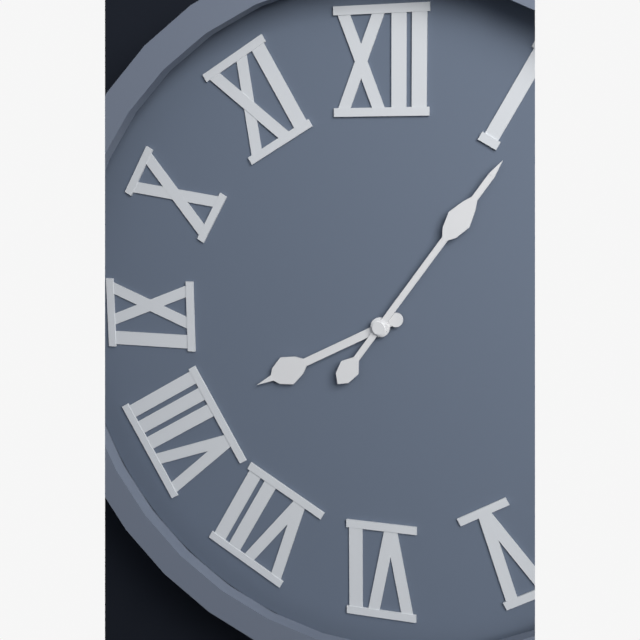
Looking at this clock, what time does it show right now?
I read 8:06
